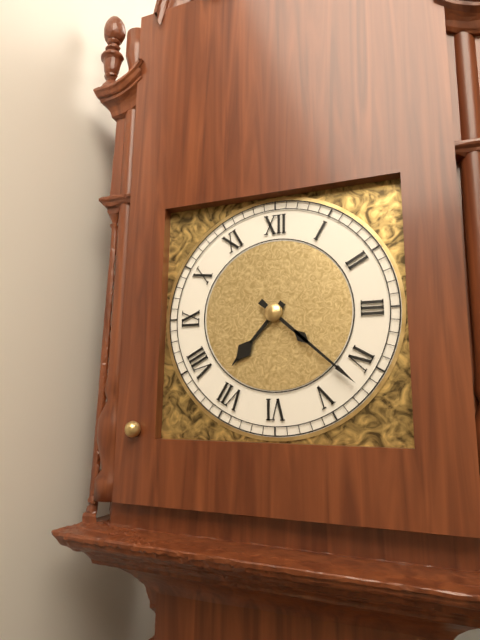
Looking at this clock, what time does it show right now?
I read 7:22
